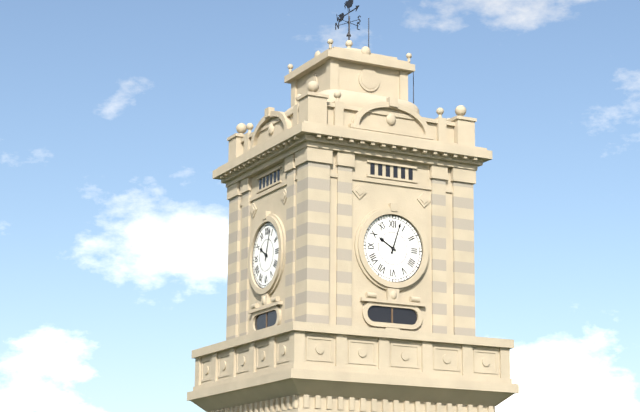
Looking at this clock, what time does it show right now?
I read 10:03
